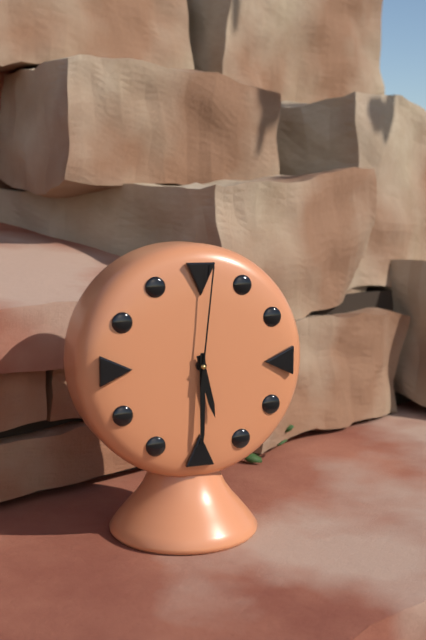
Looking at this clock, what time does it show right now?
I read 5:30:01
